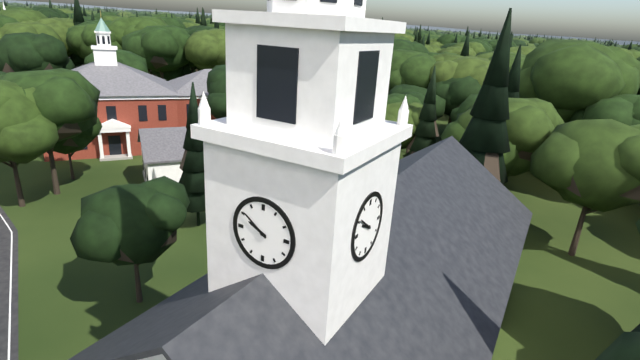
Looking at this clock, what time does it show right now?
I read 9:51
